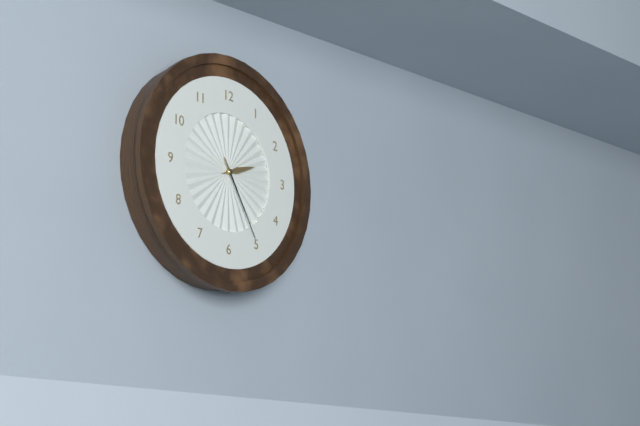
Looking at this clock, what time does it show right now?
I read 2:25
